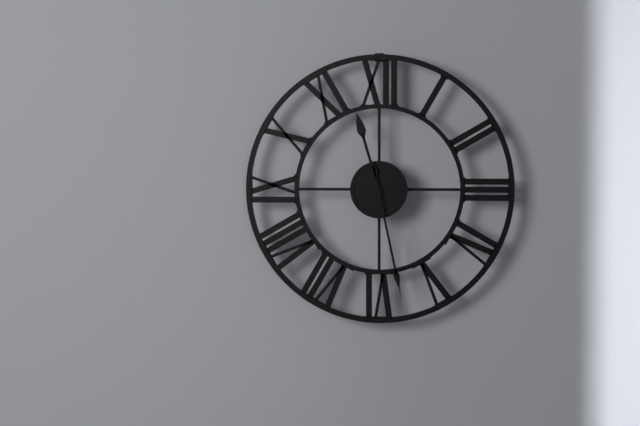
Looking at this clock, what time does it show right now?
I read 11:28
